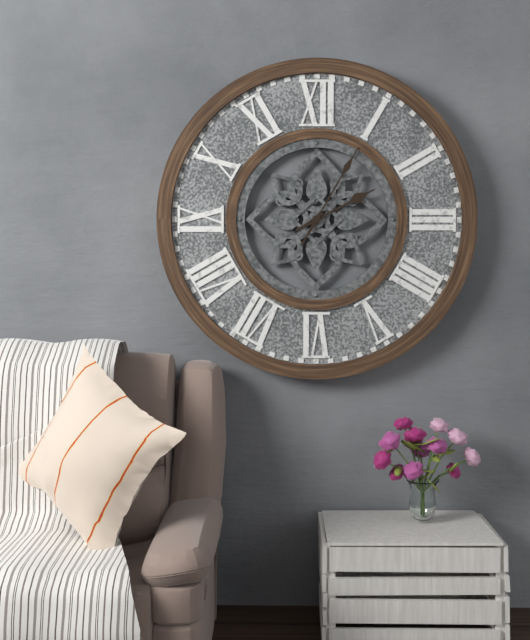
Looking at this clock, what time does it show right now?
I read 2:05
